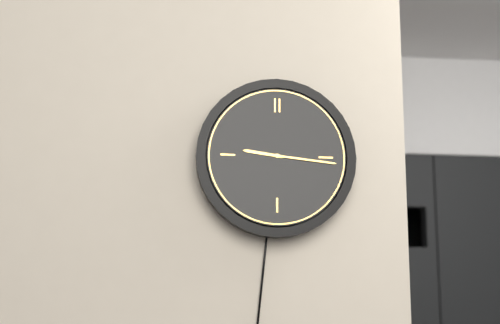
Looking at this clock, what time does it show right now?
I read 9:16
